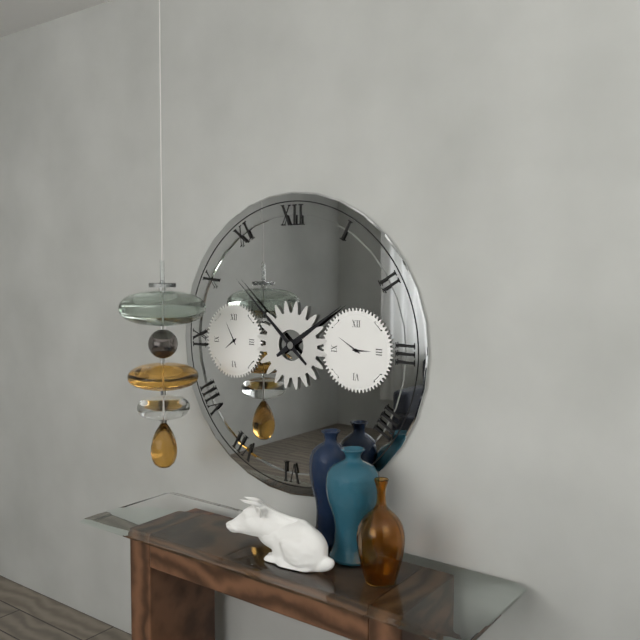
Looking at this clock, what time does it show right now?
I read 1:52
